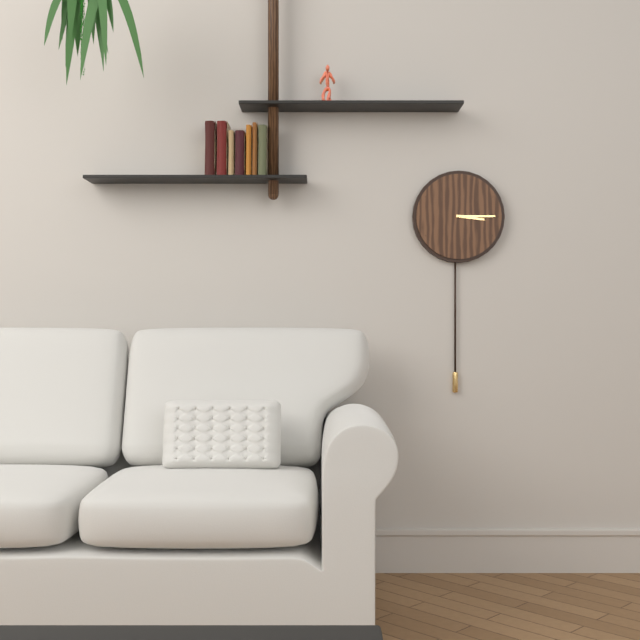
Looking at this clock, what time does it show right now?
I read 3:15
